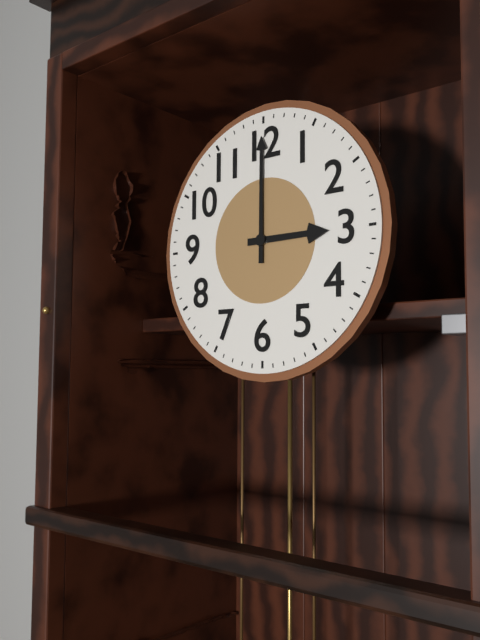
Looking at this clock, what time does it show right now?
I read 3:00
